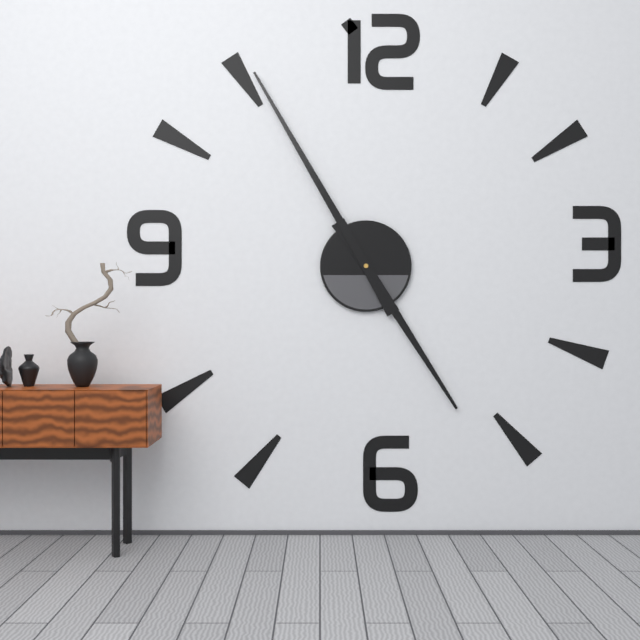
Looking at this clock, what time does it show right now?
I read 4:55
